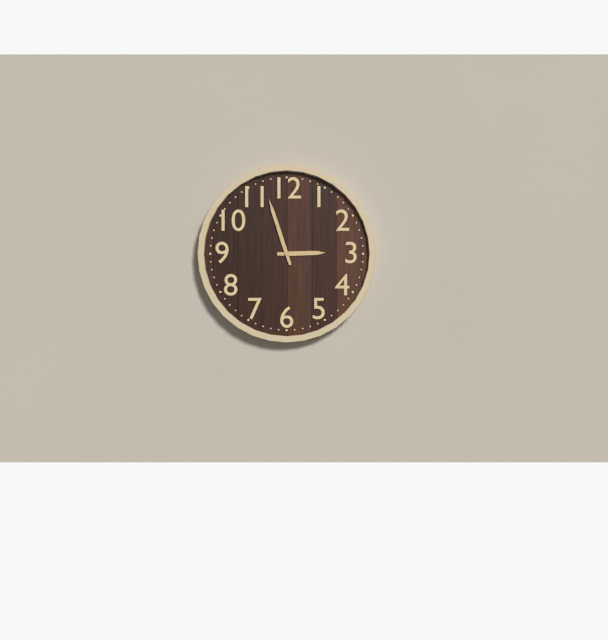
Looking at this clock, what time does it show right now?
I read 2:57
